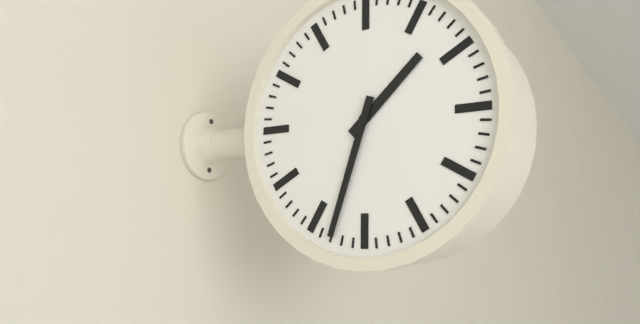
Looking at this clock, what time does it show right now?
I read 1:33
